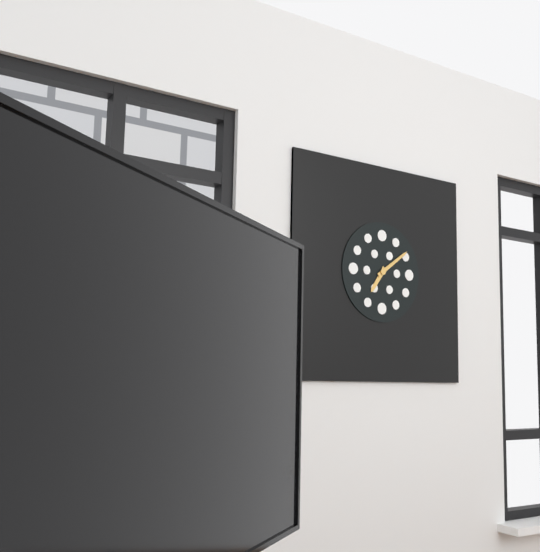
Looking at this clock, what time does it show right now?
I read 7:09
